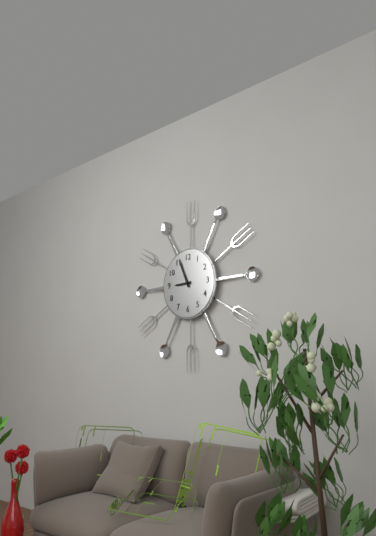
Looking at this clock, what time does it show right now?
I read 8:56
